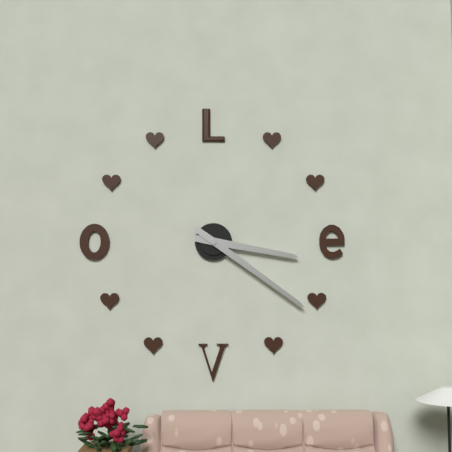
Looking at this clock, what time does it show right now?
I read 3:21
